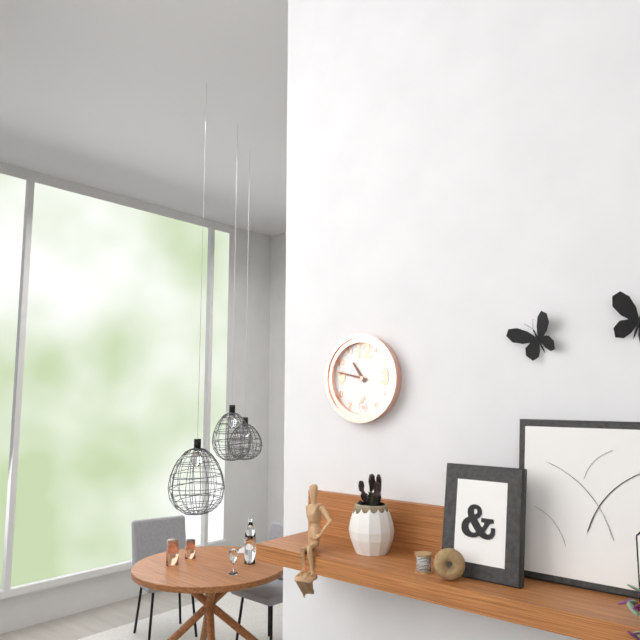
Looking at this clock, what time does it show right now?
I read 10:47
